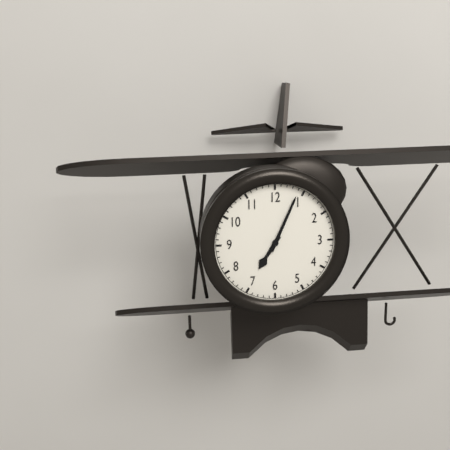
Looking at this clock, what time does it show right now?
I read 7:04
